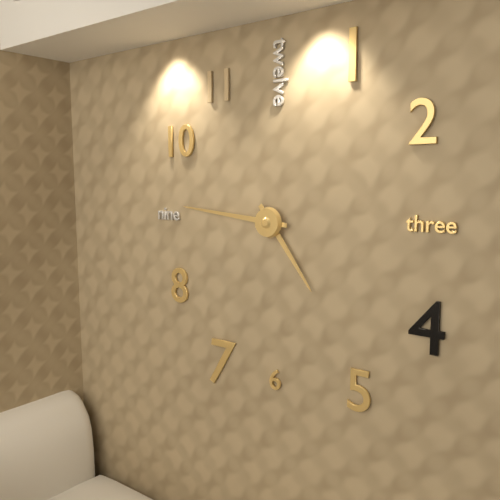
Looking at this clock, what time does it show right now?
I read 4:46
